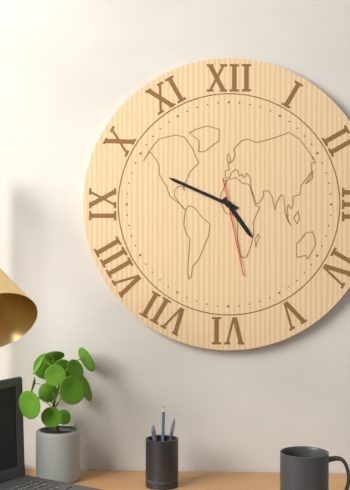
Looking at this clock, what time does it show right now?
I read 4:49:28
